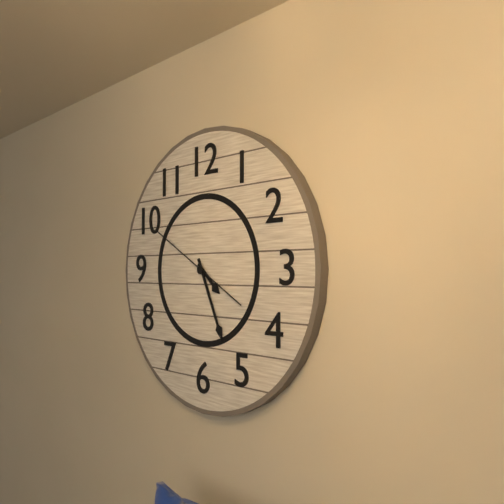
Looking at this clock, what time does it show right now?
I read 4:26:50
